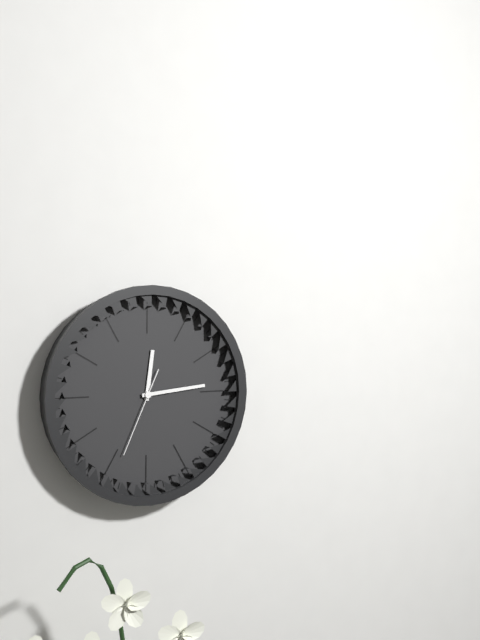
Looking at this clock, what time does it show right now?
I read 12:14:34
